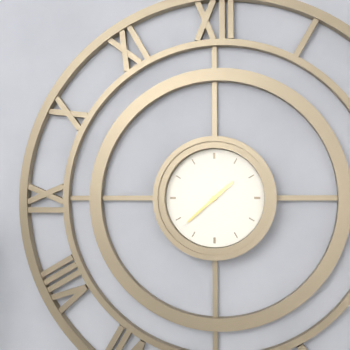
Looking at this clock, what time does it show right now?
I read 1:38
